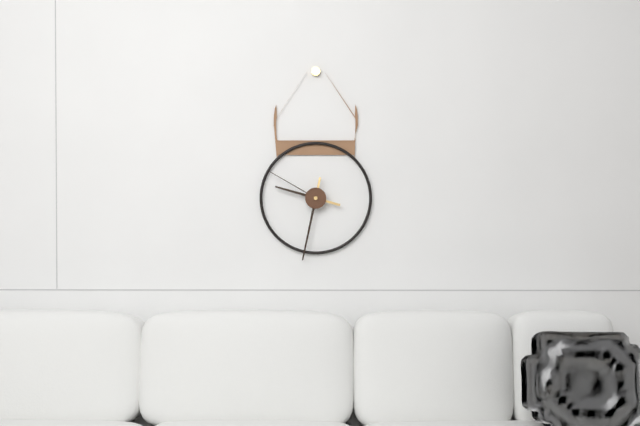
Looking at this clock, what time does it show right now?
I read 9:32:50
